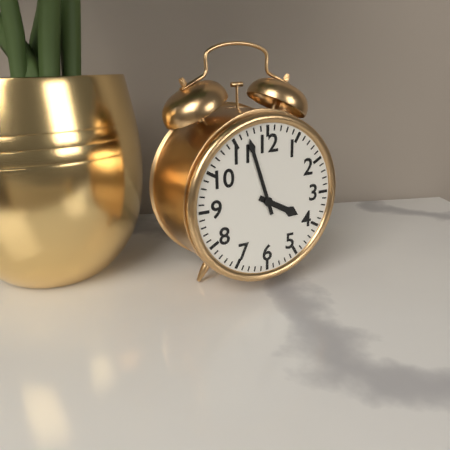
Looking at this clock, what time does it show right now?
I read 3:57
